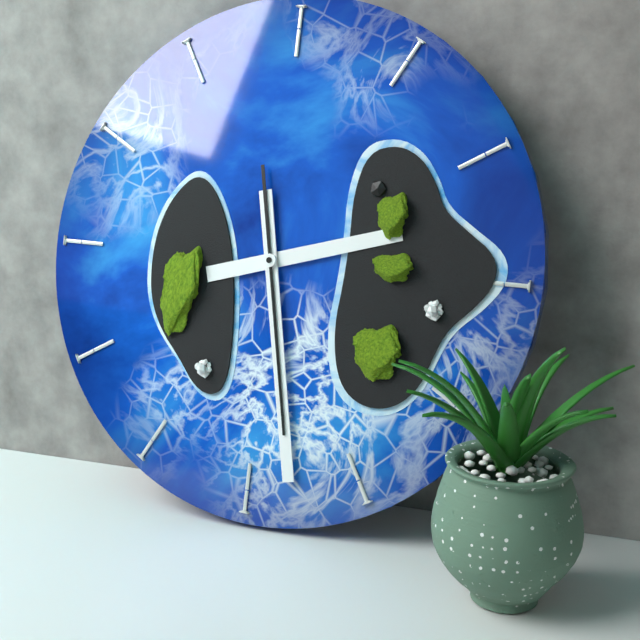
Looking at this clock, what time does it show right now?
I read 2:28:28
